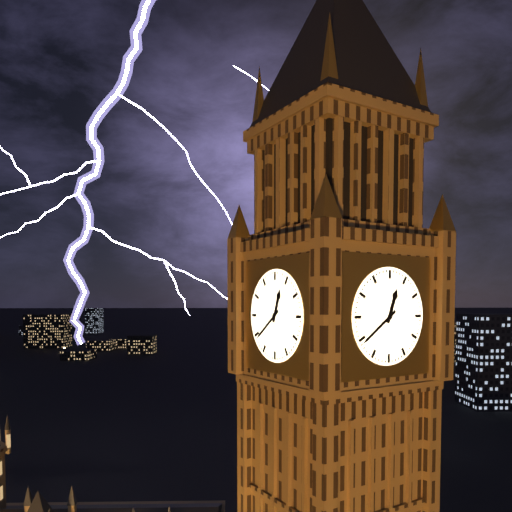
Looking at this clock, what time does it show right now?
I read 12:39
